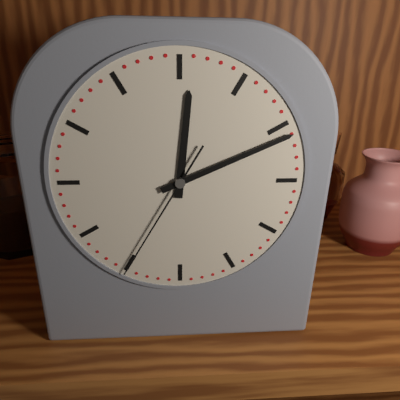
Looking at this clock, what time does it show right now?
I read 12:11:35
